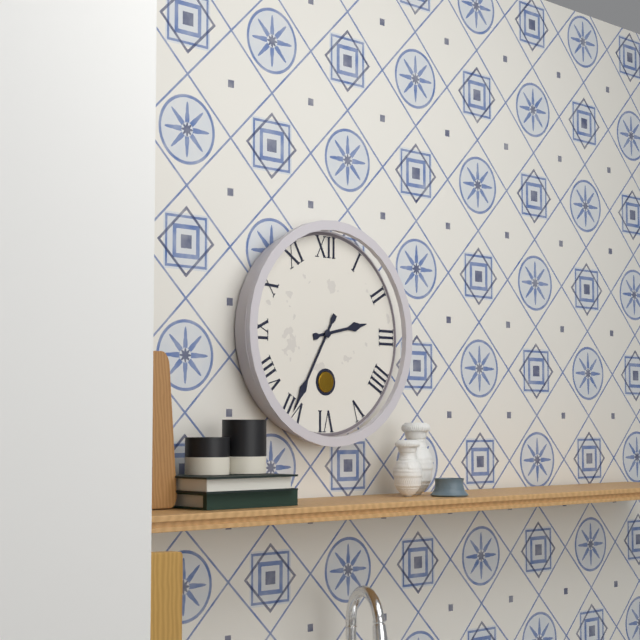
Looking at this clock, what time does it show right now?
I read 2:35
